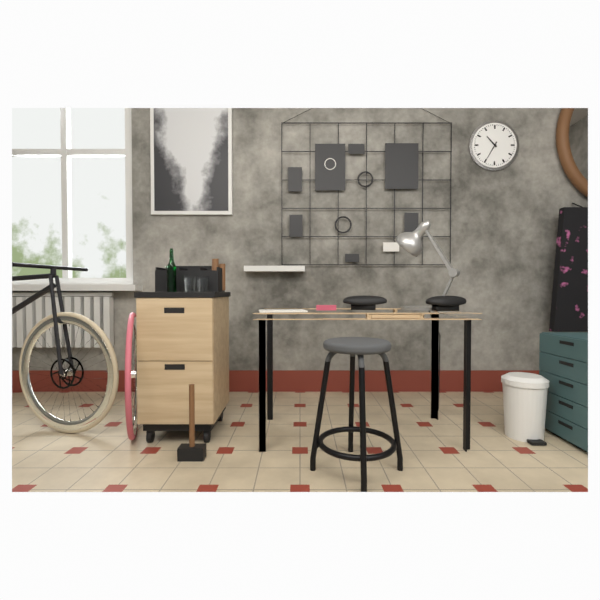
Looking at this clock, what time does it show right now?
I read 10:35
